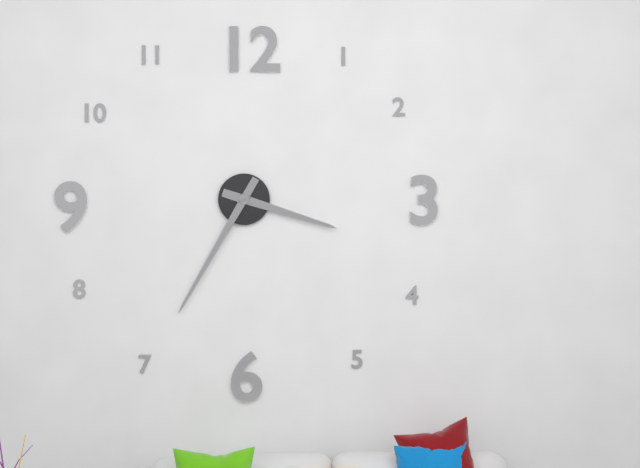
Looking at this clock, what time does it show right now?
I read 3:35
